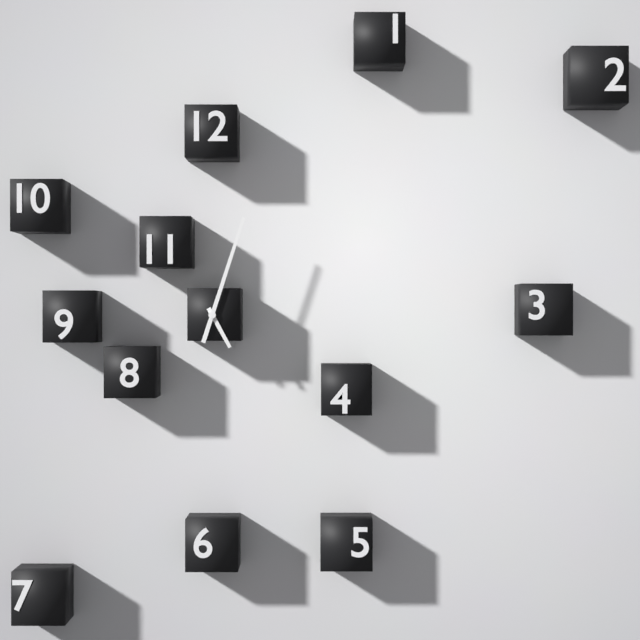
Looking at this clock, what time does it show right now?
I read 5:03
